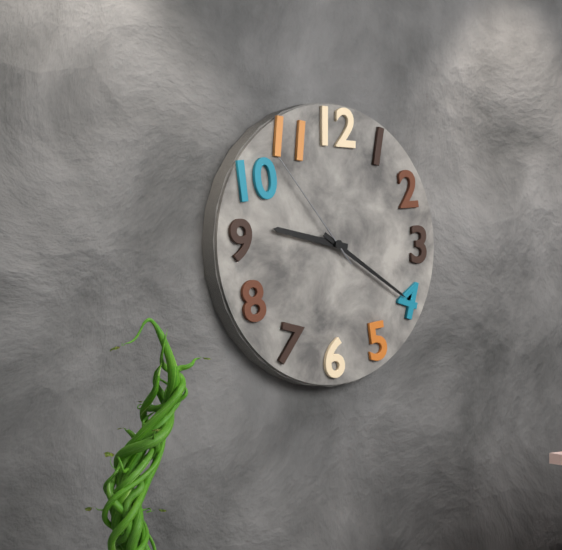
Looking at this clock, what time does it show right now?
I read 9:20:53
